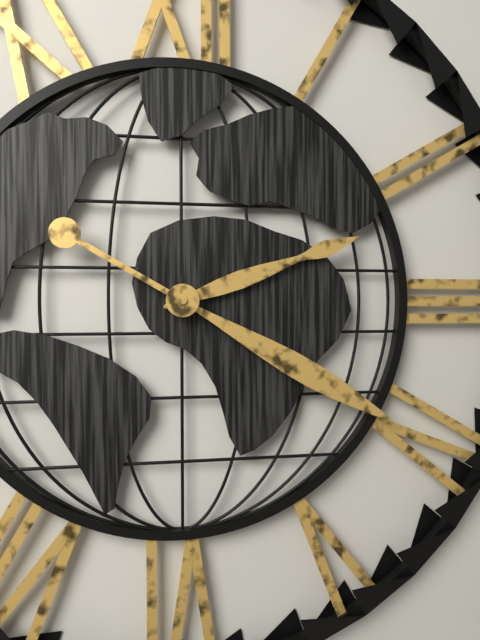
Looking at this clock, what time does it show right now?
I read 2:20
